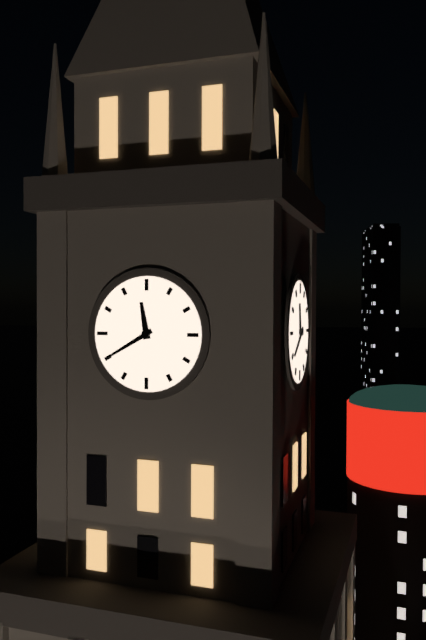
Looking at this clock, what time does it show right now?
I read 11:40
